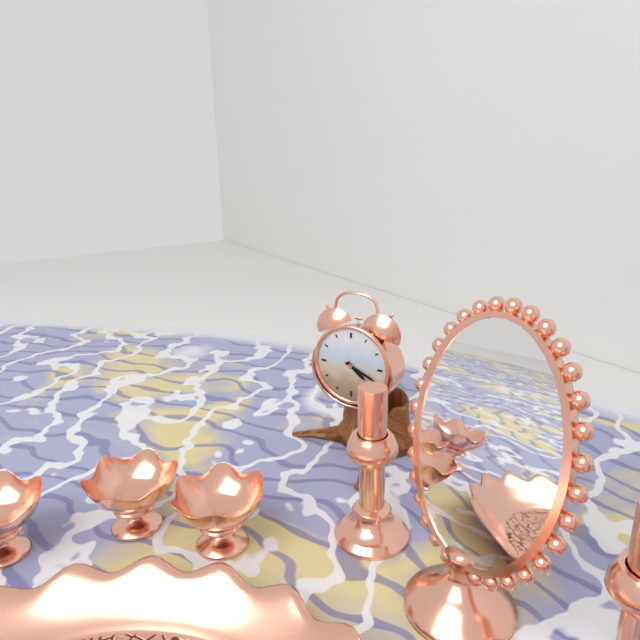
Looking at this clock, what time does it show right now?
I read 4:19
